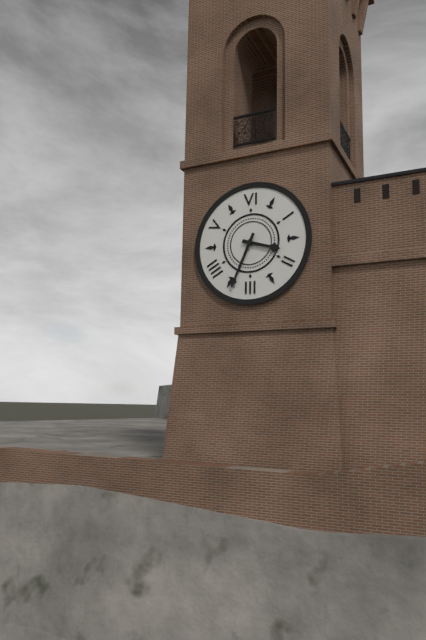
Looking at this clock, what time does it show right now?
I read 3:34
